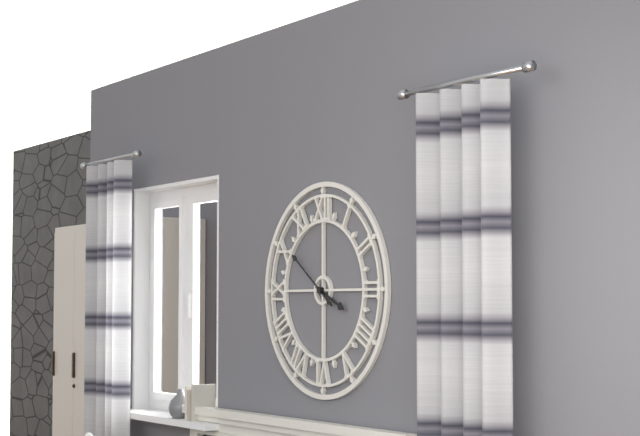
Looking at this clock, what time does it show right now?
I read 3:51
